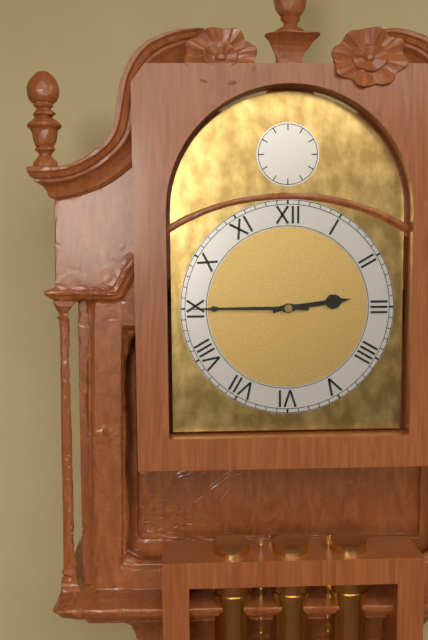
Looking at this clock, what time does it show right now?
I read 2:45
